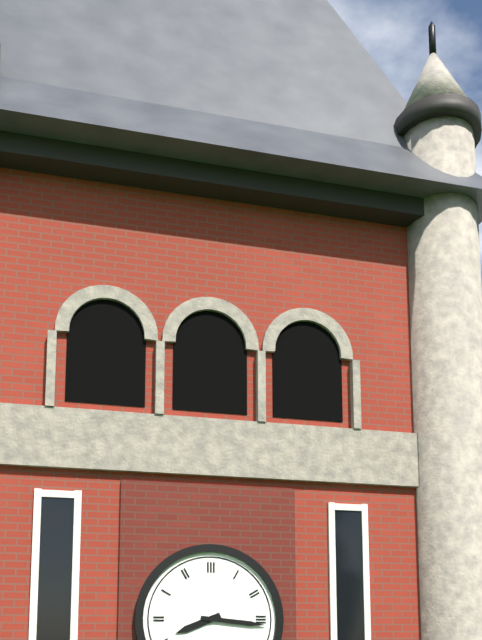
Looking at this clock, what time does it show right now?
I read 8:16
